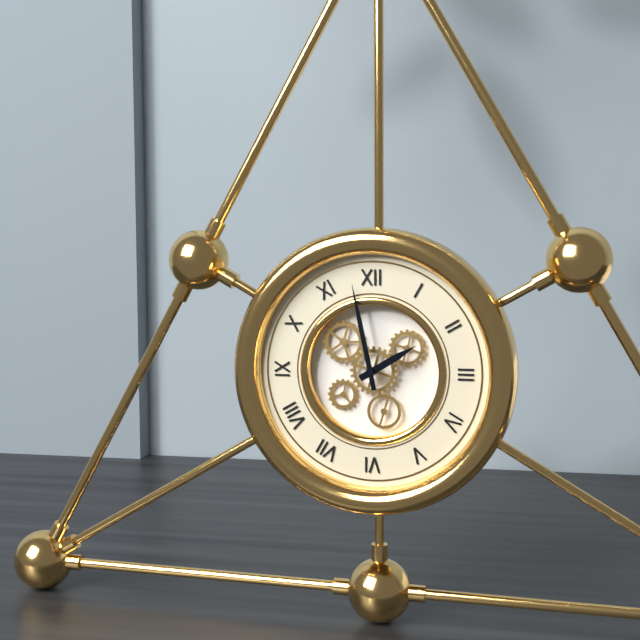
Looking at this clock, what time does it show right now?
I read 1:58
